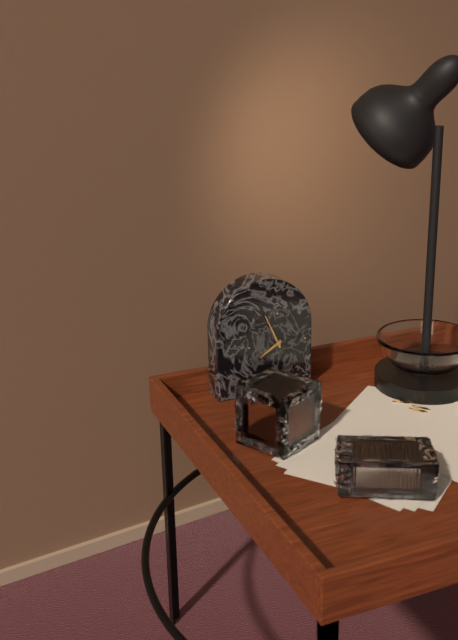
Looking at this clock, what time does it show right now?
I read 7:56
